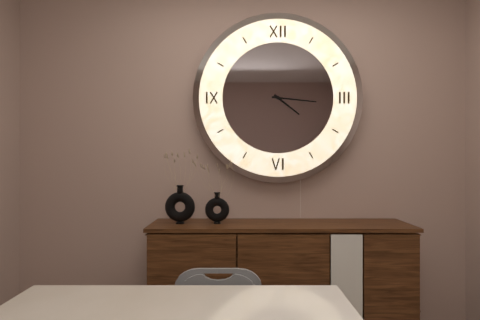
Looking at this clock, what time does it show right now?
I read 4:16
